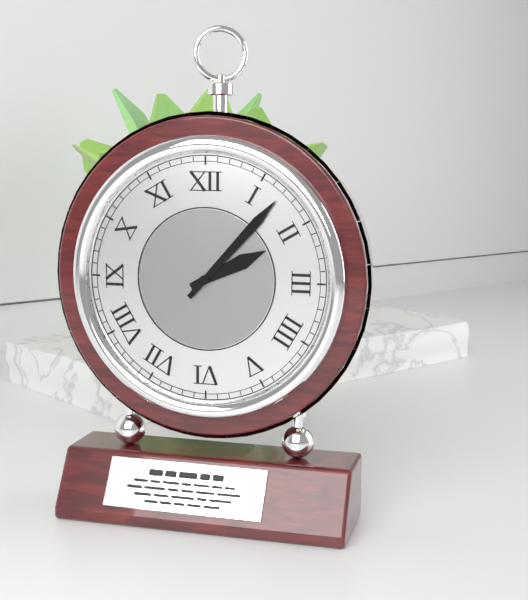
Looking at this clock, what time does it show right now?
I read 2:07
